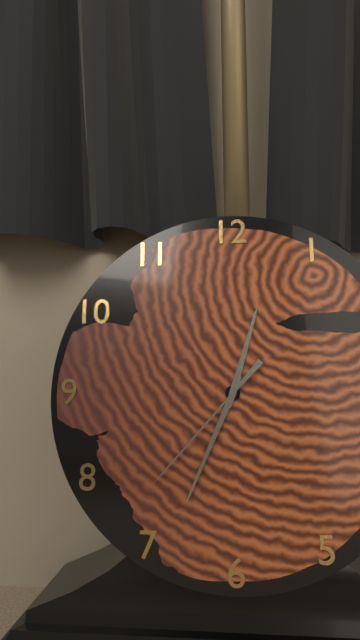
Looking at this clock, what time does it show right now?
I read 12:34:37
